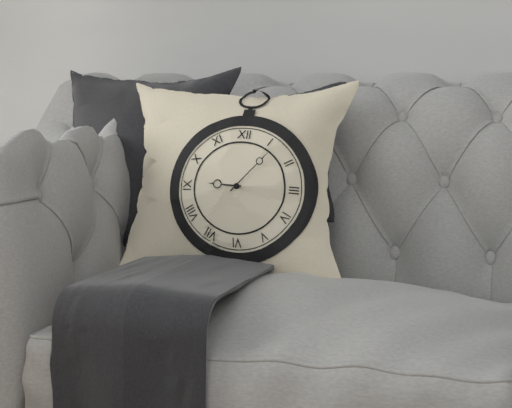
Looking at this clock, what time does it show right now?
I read 9:07
